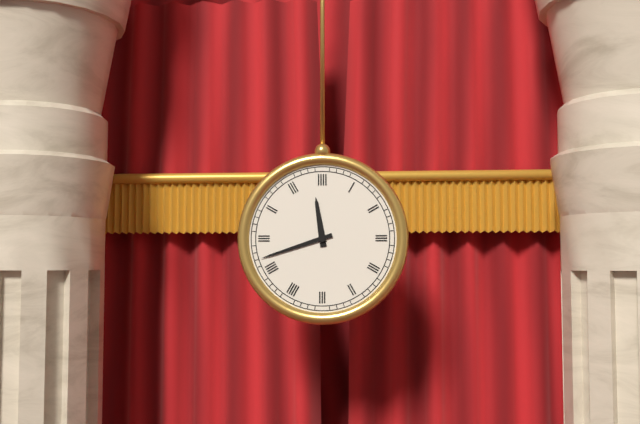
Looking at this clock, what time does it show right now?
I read 11:42
